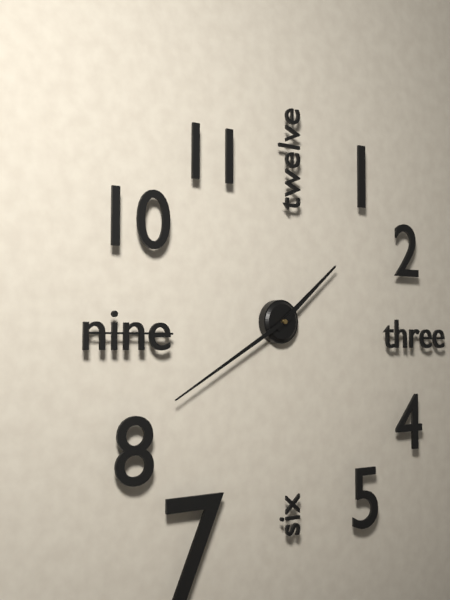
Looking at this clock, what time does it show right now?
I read 1:40
